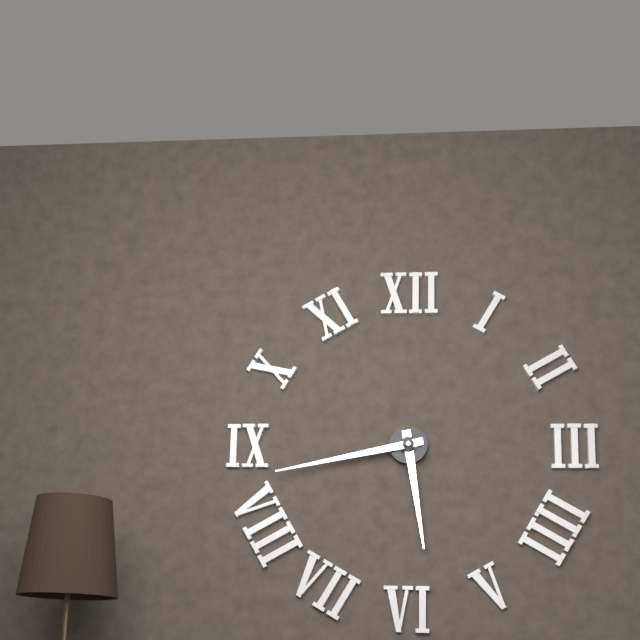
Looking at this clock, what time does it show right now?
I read 5:43
